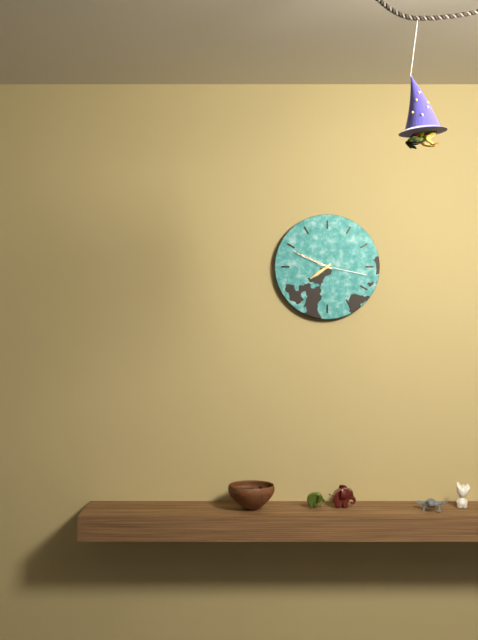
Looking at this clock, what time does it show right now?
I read 7:49:17
